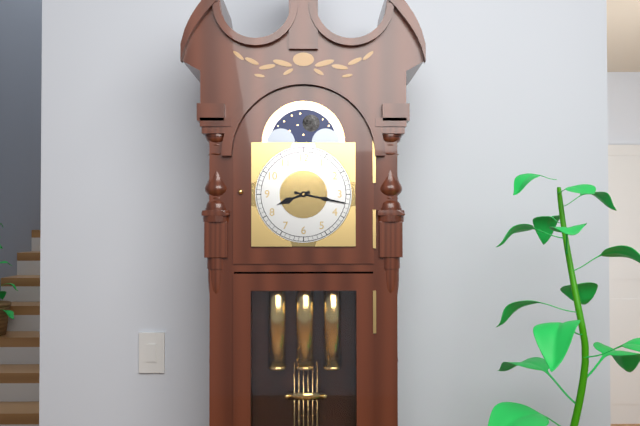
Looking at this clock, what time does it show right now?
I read 8:17
